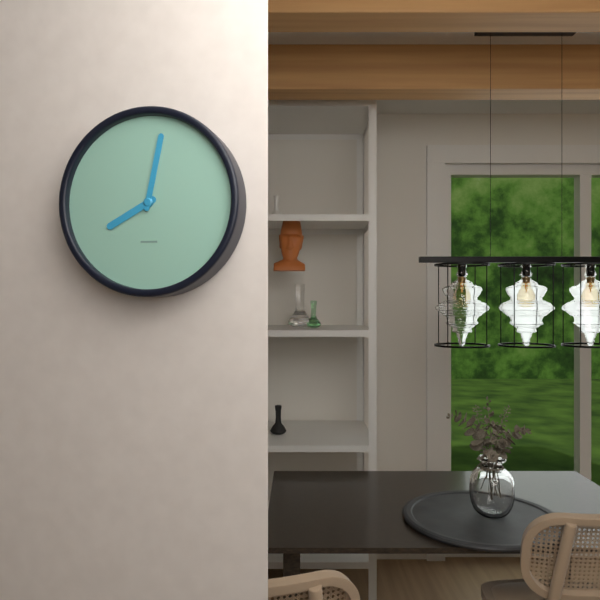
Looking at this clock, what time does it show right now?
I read 8:02
